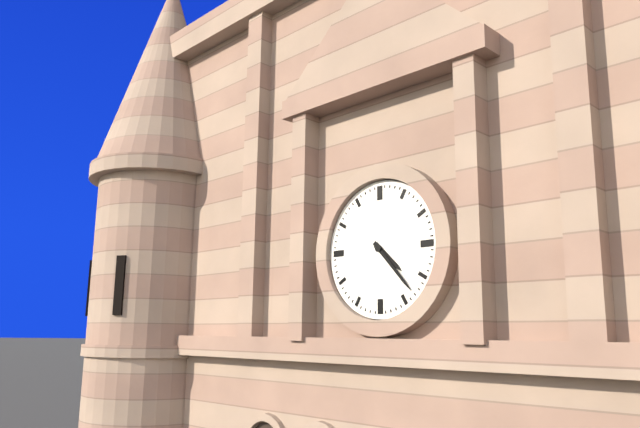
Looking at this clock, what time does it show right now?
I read 4:23
